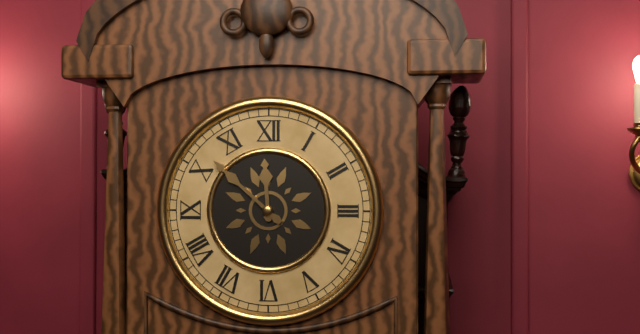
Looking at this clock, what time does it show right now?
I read 11:52
